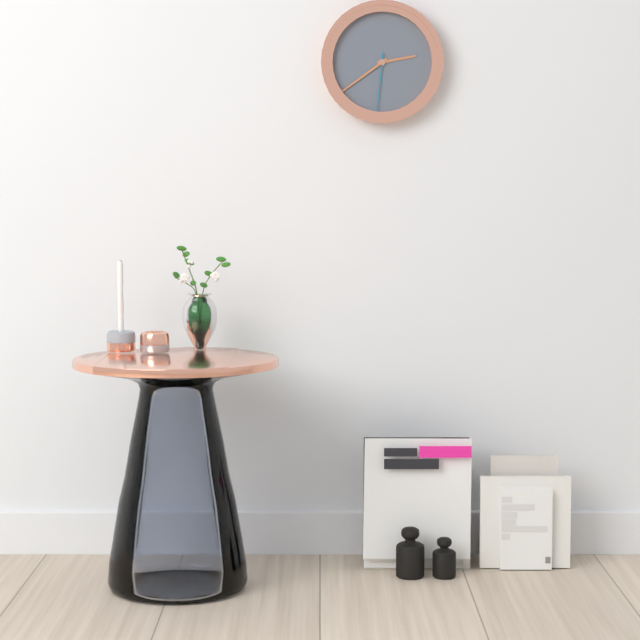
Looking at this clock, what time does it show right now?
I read 2:39:31
